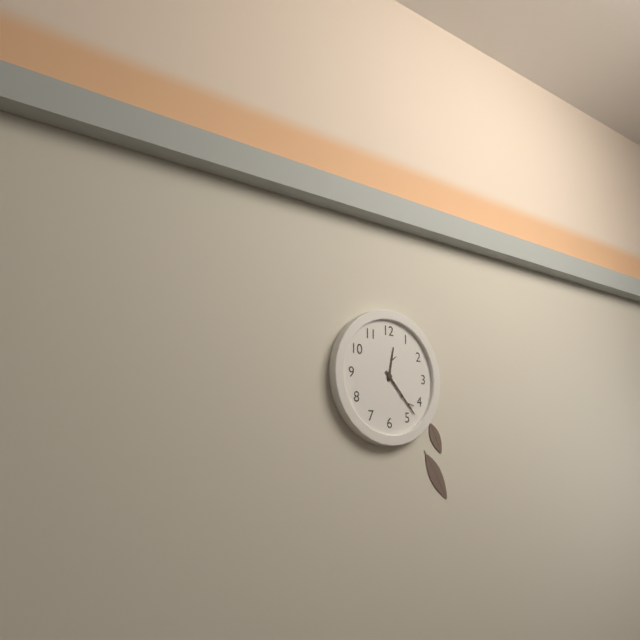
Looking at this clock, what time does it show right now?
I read 12:23
